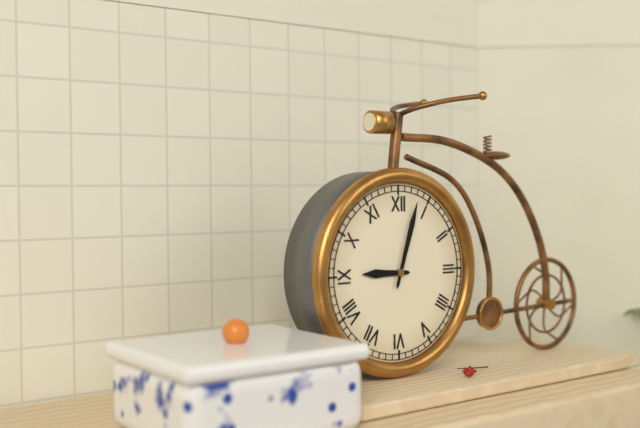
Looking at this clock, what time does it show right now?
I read 9:03
